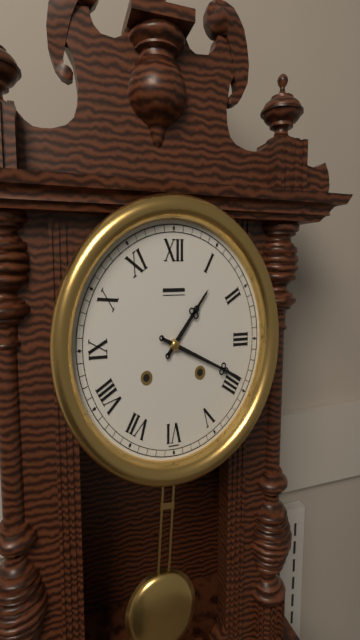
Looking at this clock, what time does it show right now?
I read 1:19
